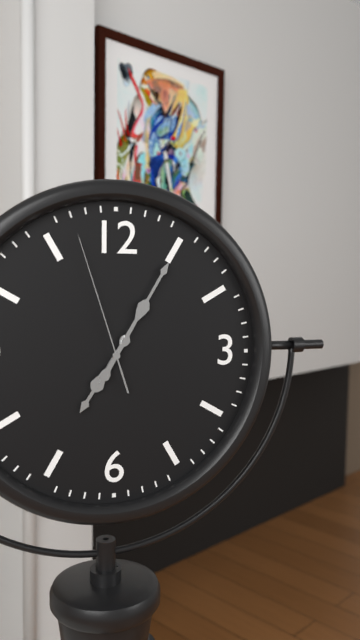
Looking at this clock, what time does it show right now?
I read 7:05:57
